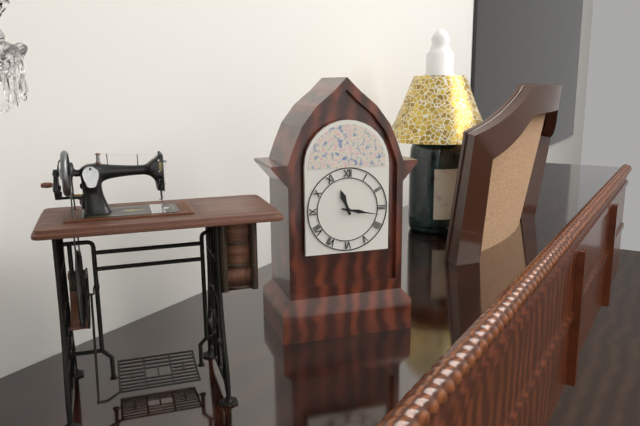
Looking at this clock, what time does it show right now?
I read 11:17
